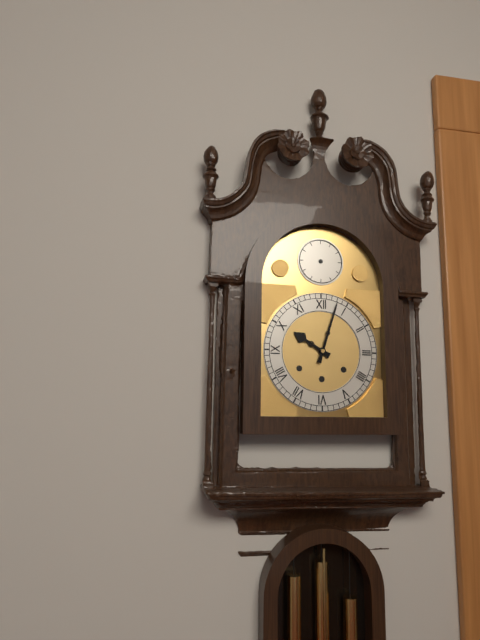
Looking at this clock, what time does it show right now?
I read 10:03
